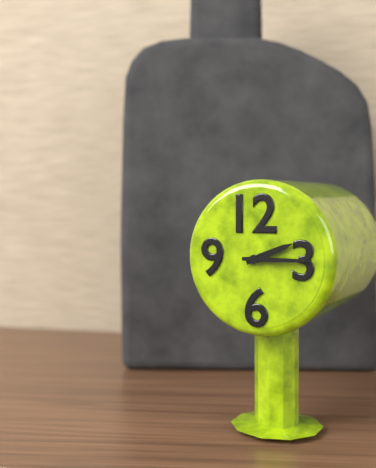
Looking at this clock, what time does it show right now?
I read 2:15
